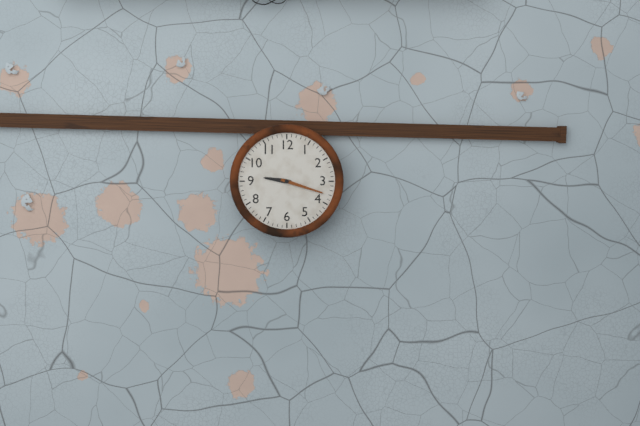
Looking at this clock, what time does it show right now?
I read 9:18
